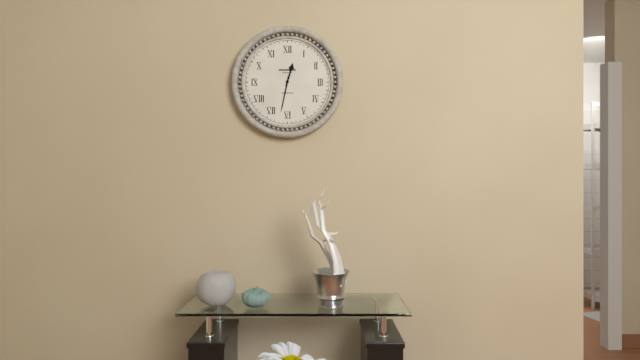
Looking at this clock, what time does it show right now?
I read 12:32
